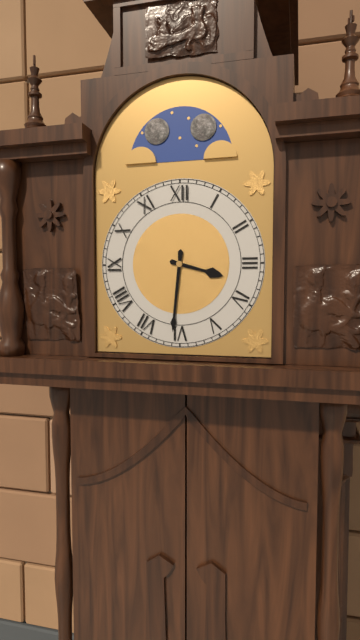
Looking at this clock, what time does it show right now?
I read 3:31
